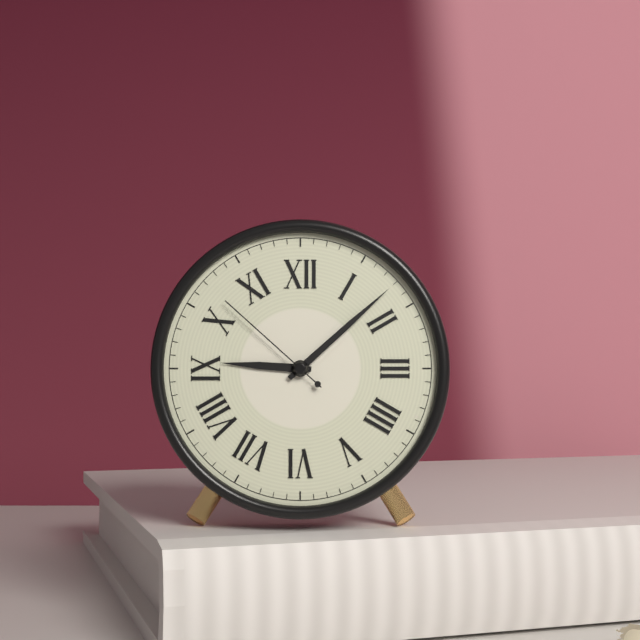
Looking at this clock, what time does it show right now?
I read 9:08:52
